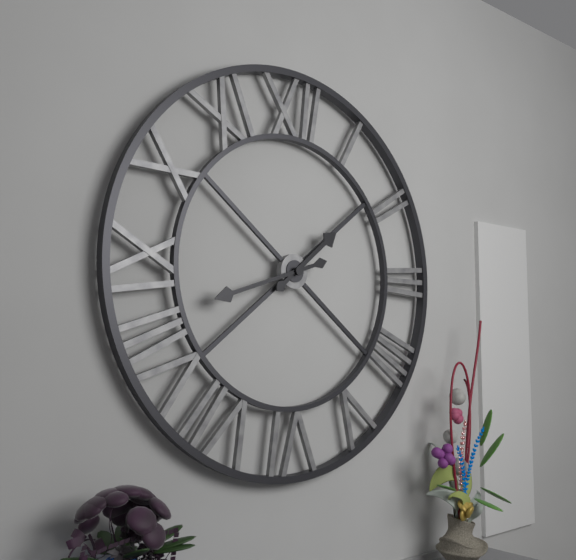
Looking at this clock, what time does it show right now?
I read 1:42
